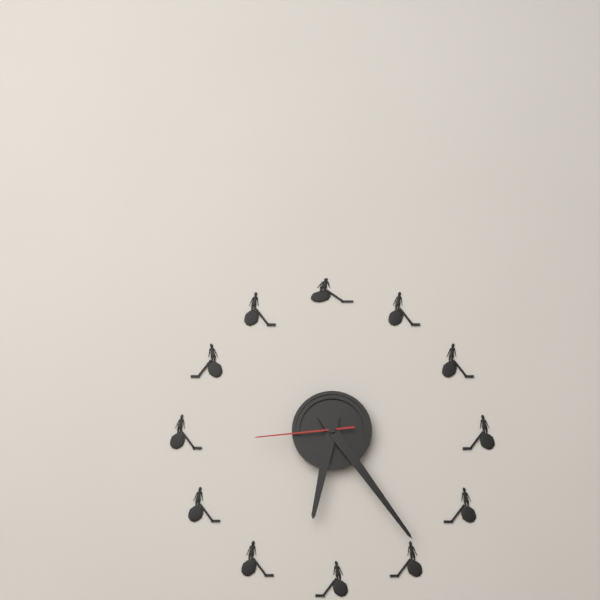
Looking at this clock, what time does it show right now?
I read 6:24:44
